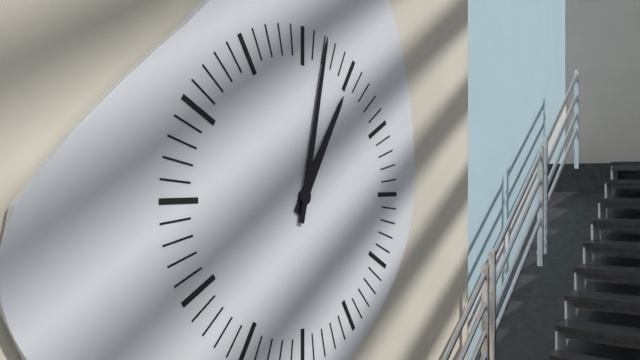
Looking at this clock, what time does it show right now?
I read 1:02
